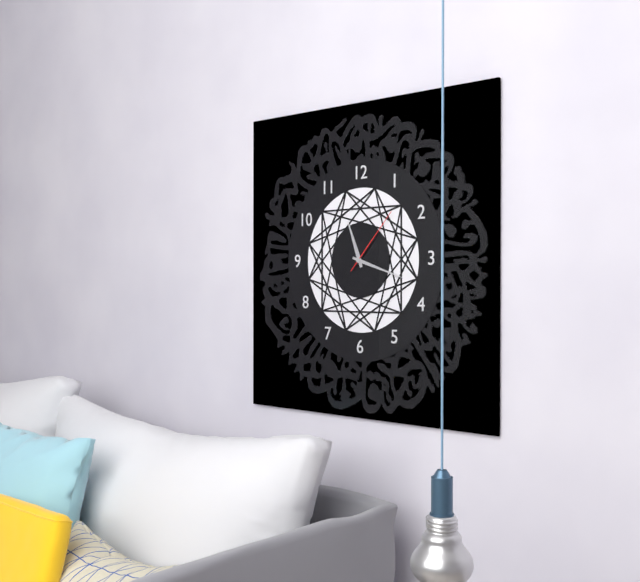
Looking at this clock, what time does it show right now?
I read 11:18:07
